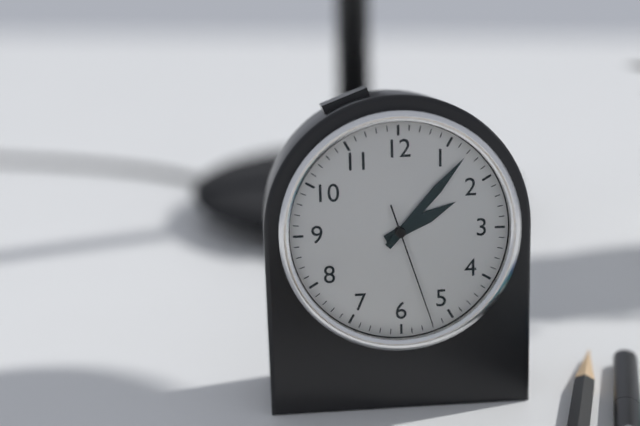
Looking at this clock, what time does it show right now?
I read 2:07:27
